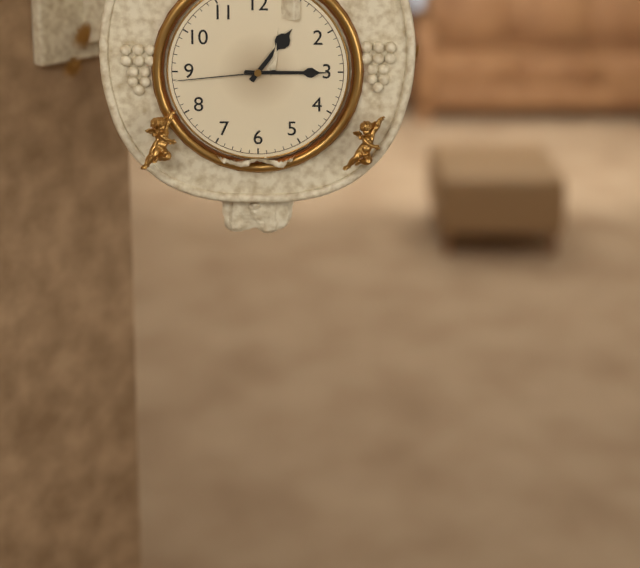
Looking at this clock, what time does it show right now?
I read 1:15:44
